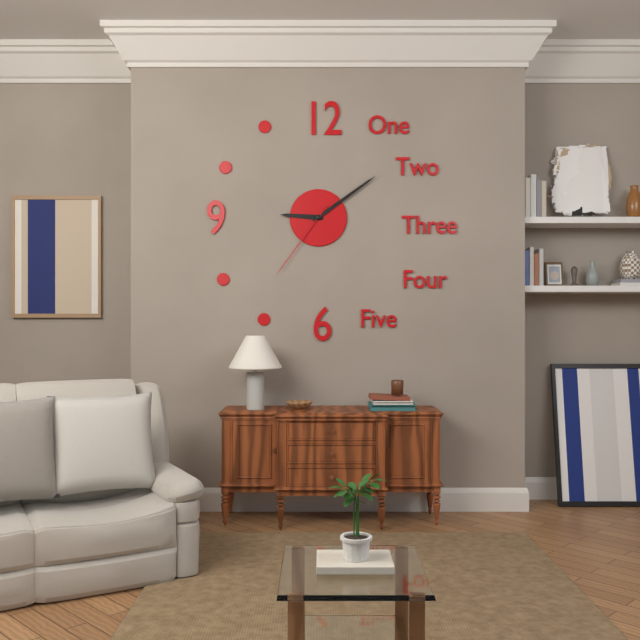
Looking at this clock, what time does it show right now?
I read 9:09:36
